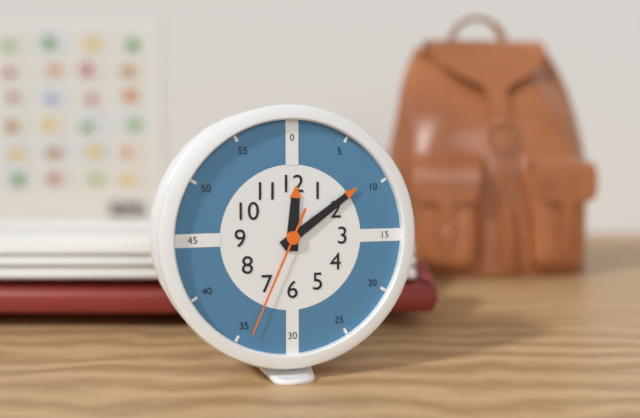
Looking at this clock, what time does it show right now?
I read 12:09:34
